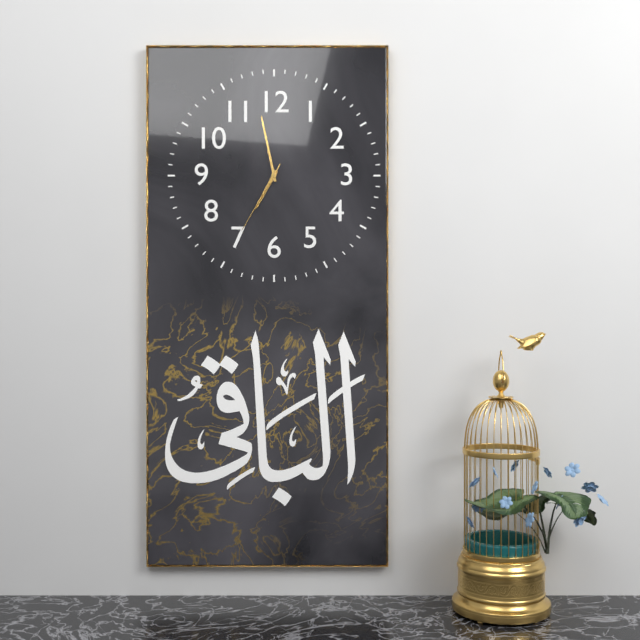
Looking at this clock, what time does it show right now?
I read 6:58:35
